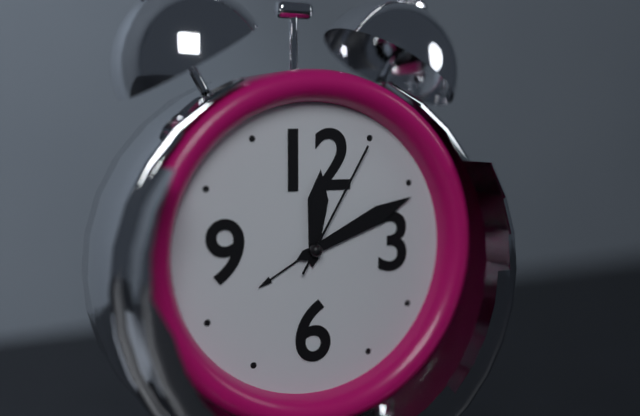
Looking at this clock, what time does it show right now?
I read 12:11:05
